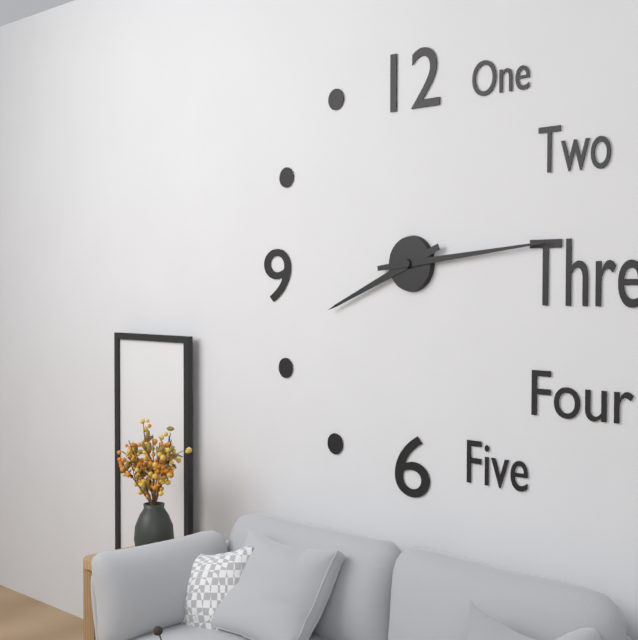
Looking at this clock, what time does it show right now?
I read 8:14
